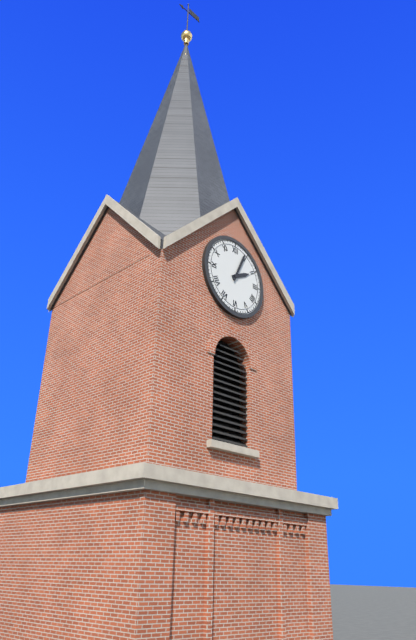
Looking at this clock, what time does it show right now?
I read 2:04
